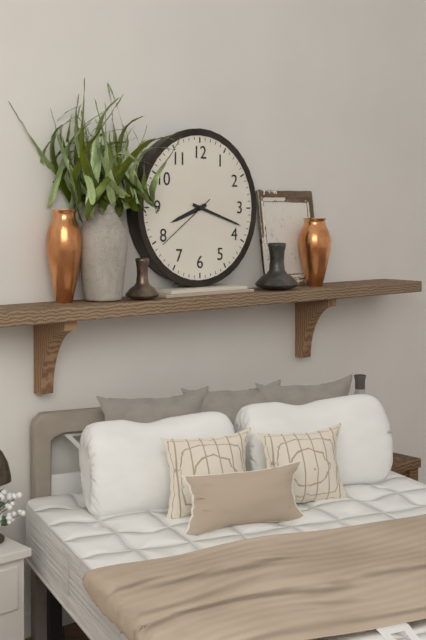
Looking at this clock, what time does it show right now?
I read 8:18:39
